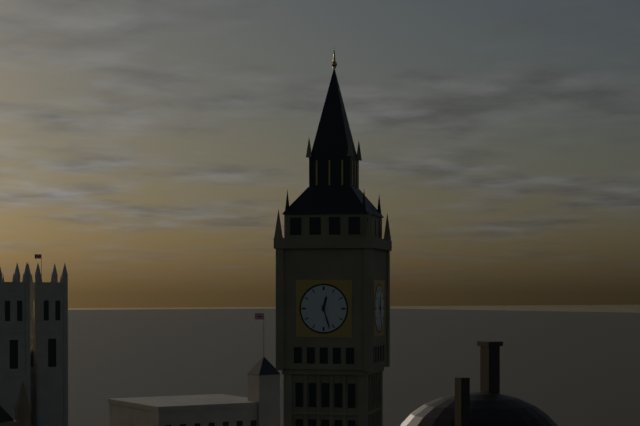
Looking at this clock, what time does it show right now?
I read 12:27
